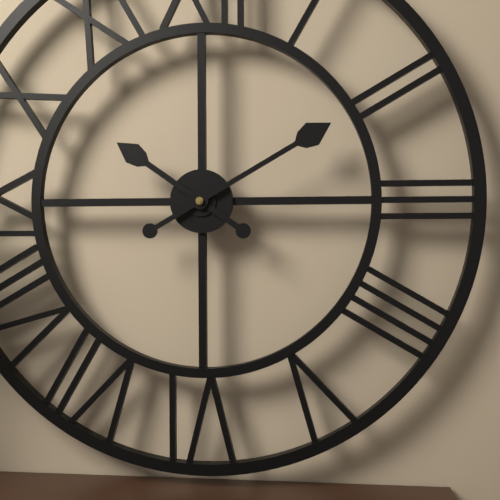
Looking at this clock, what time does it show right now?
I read 10:10
